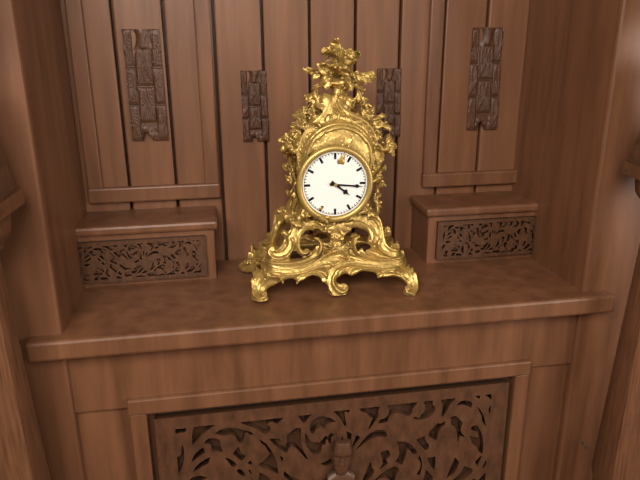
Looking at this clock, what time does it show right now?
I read 4:16
